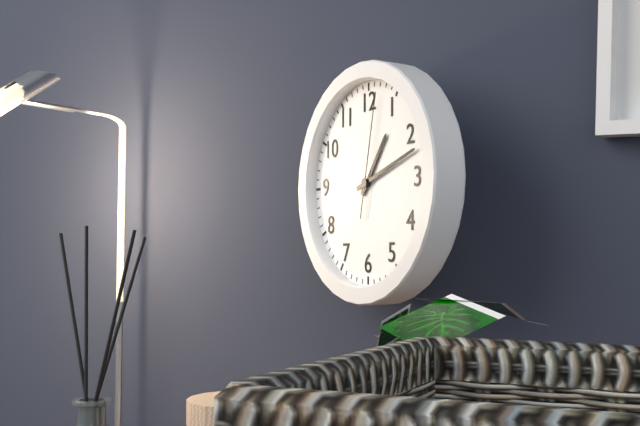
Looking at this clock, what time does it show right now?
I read 1:12:02
